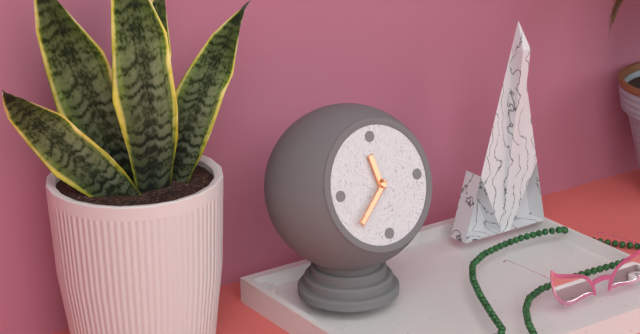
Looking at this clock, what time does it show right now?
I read 11:38
